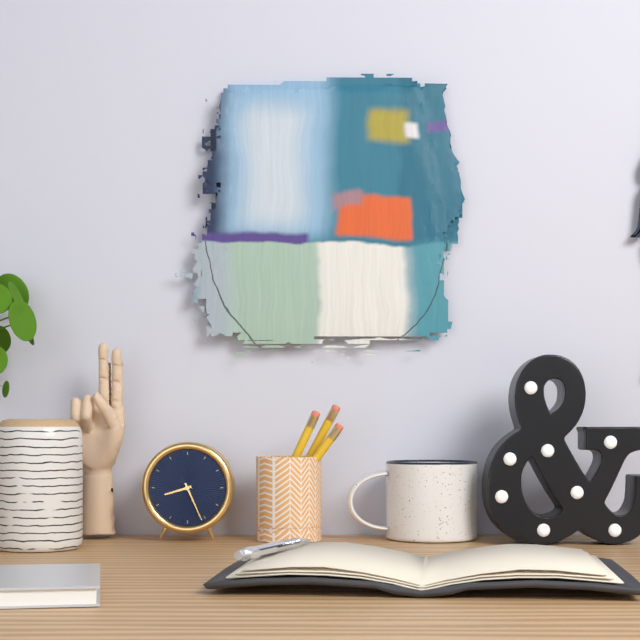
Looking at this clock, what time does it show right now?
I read 8:26
